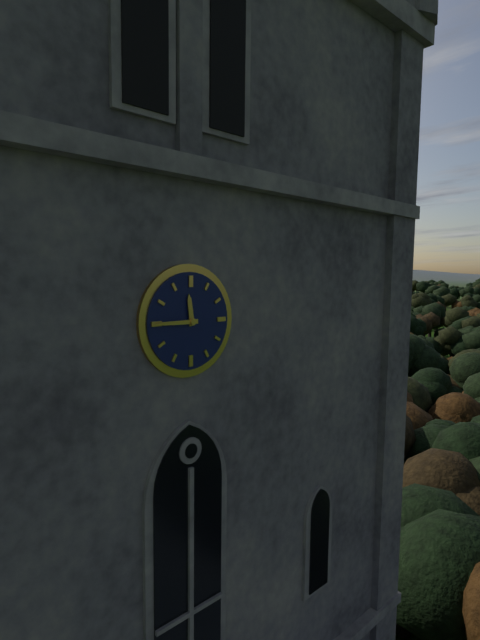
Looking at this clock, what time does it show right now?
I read 11:45
